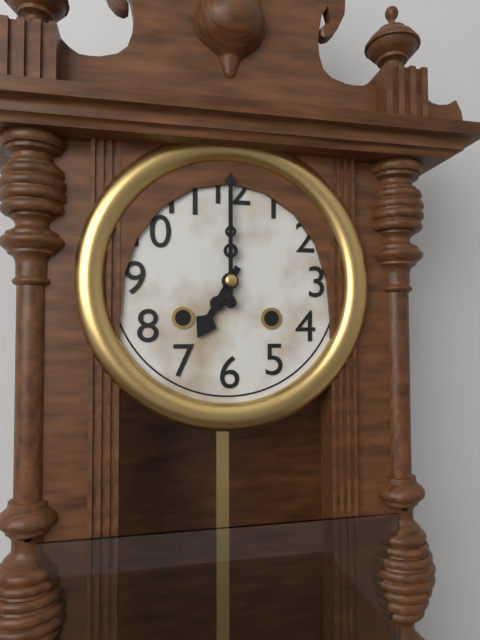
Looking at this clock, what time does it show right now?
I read 7:00
